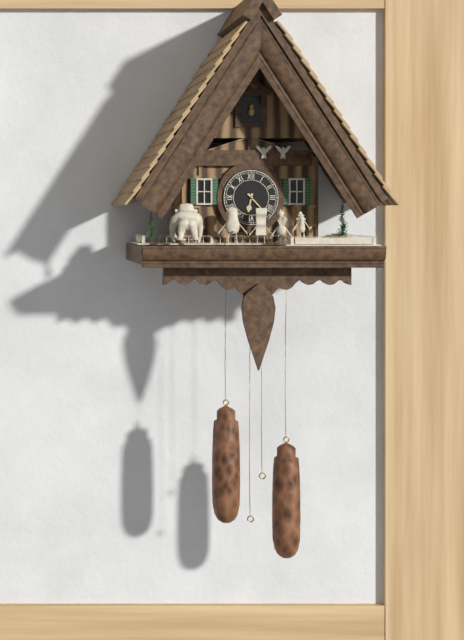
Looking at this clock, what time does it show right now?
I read 6:23
